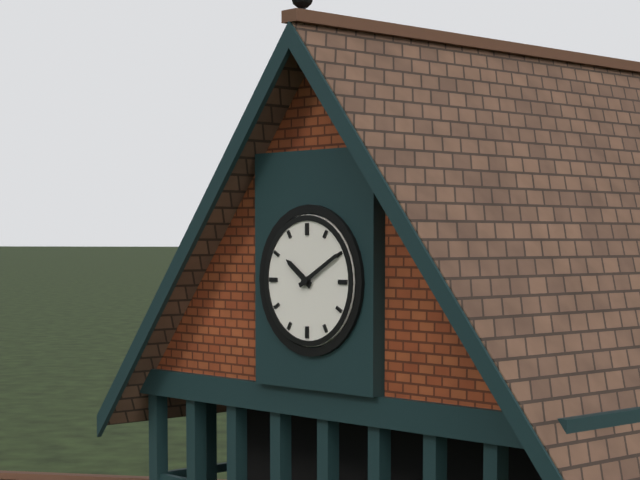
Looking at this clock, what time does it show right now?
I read 10:10
